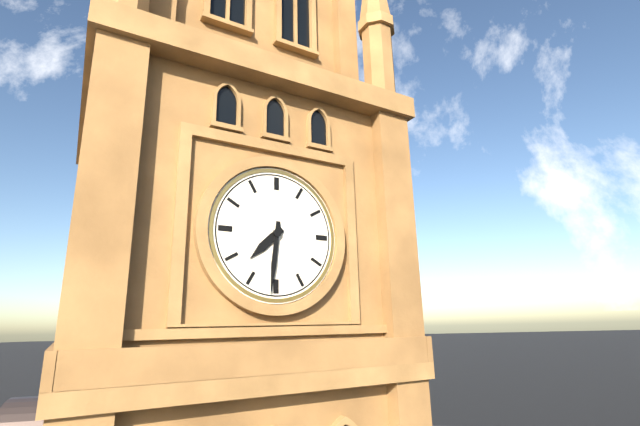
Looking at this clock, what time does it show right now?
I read 7:31
